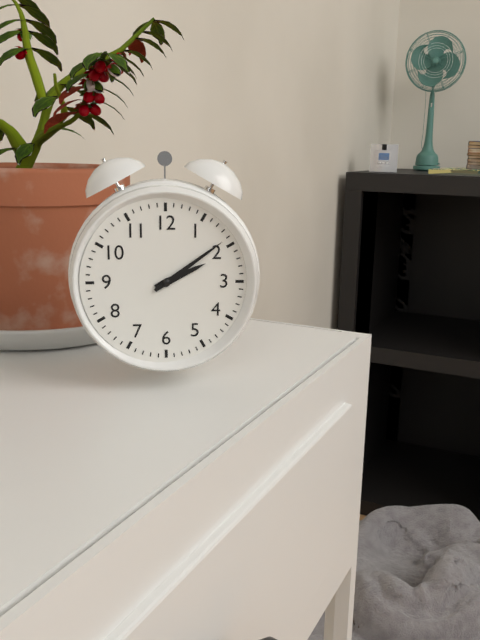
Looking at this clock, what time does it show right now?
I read 2:09
